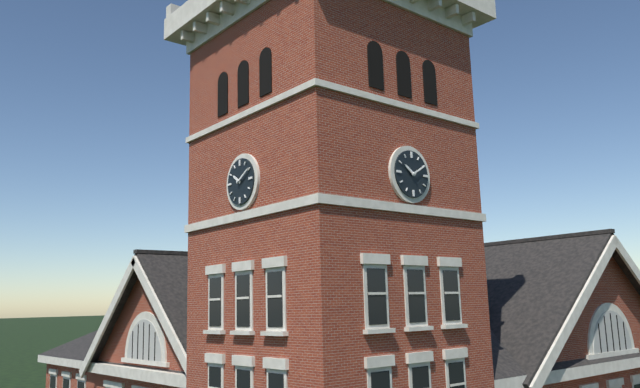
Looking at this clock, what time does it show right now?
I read 10:10
